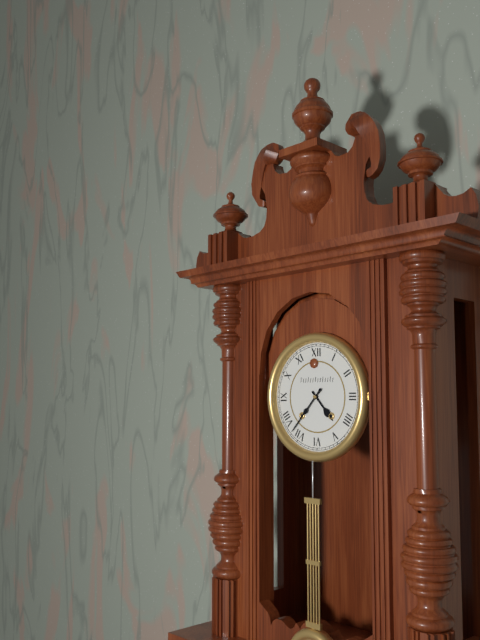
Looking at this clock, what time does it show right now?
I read 4:37
